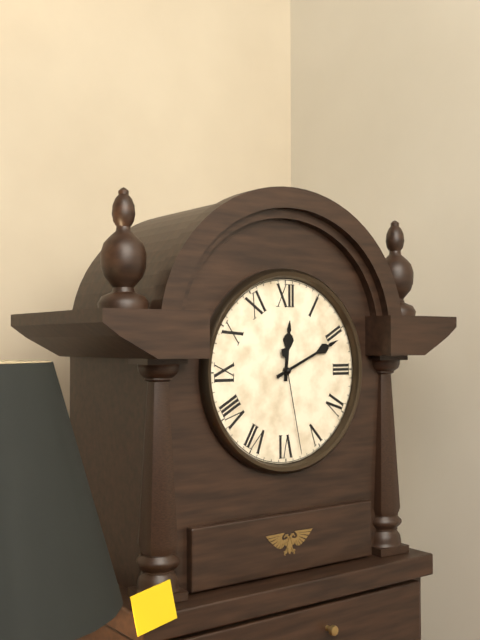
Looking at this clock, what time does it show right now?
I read 12:11:28
